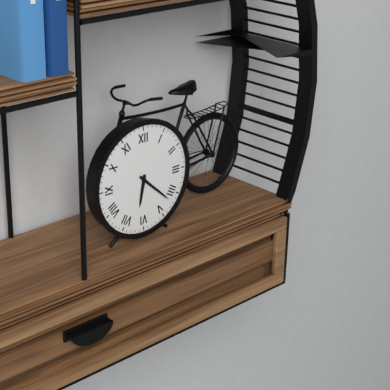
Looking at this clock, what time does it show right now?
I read 6:22
